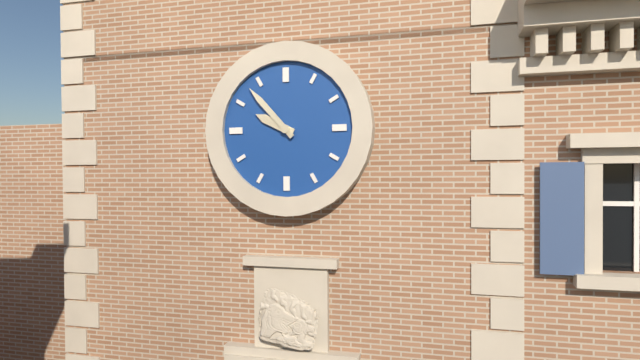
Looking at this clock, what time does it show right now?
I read 9:53
